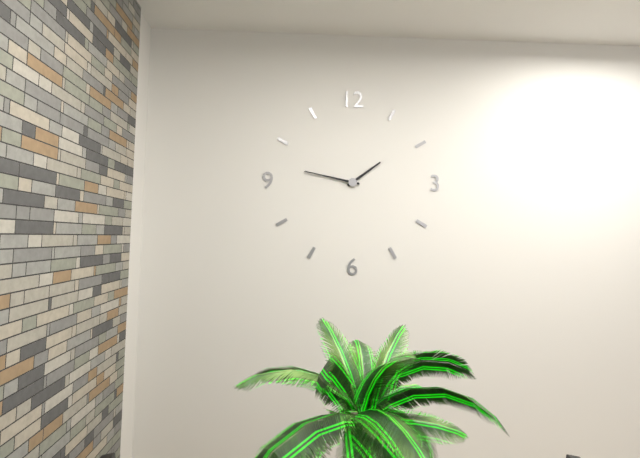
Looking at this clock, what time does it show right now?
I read 1:47
